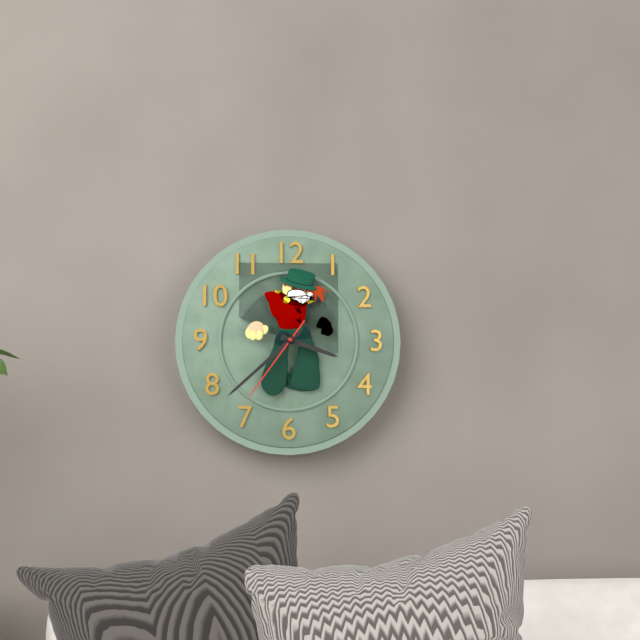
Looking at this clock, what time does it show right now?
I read 3:38:36
